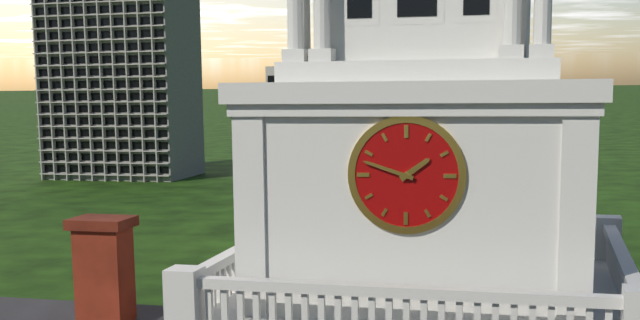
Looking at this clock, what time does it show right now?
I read 1:48
